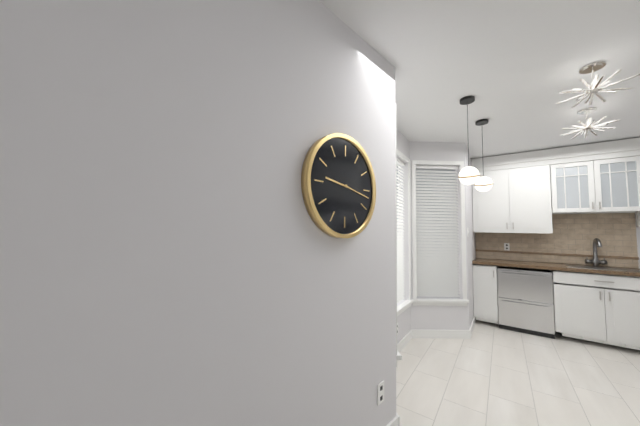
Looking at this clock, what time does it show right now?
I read 9:17
